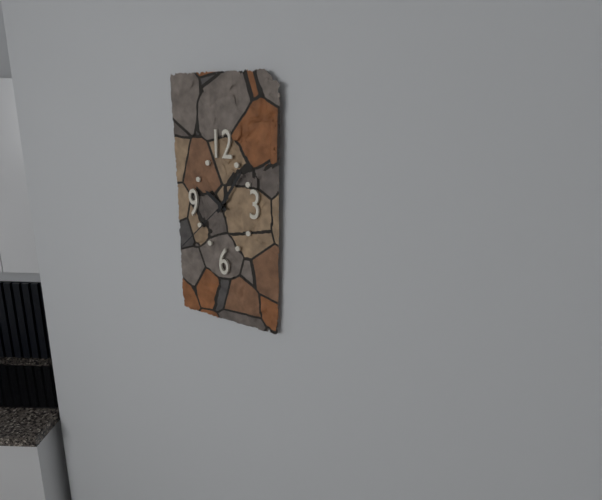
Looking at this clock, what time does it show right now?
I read 10:06:38
